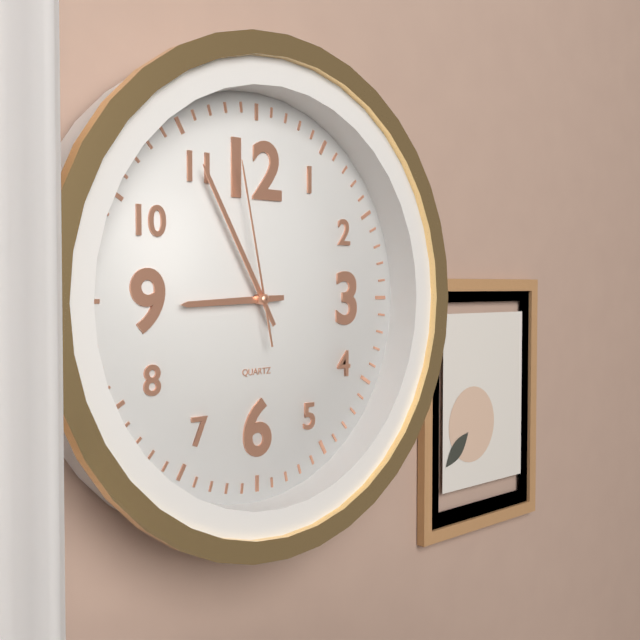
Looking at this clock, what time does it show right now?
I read 8:55:58
